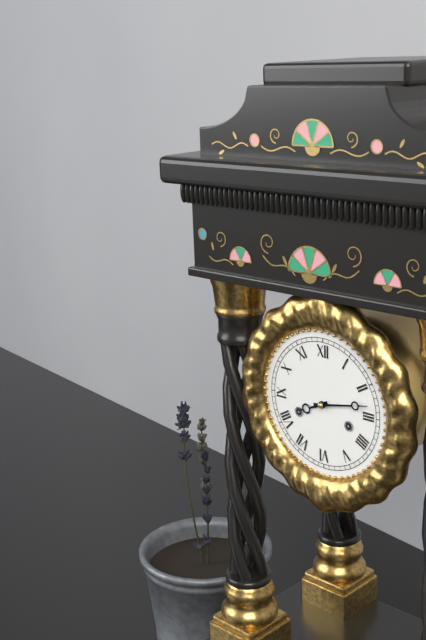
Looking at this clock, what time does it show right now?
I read 8:13
